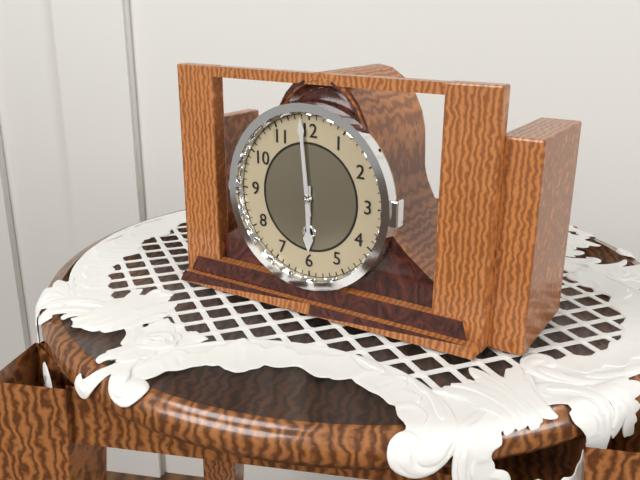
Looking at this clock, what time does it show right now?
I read 5:59
